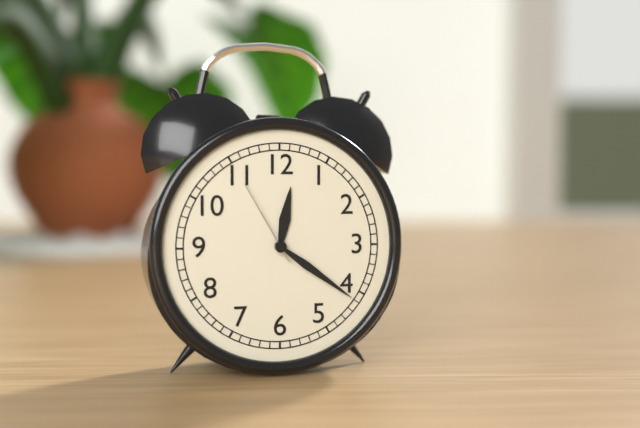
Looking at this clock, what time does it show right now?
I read 12:21:55
